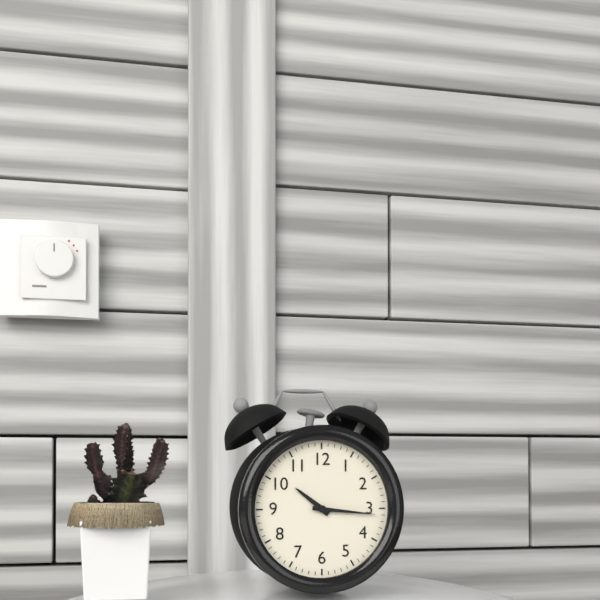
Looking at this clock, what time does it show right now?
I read 10:16
